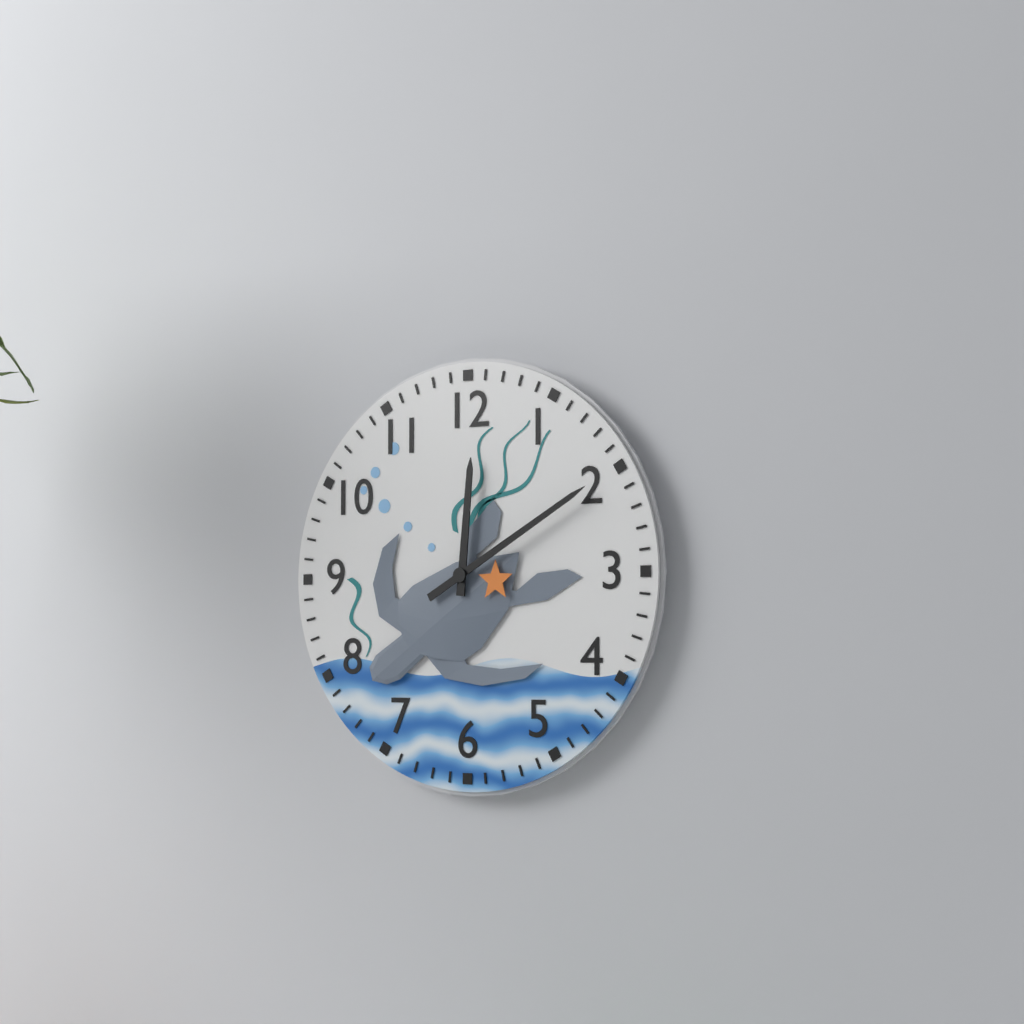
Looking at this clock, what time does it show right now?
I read 12:10
